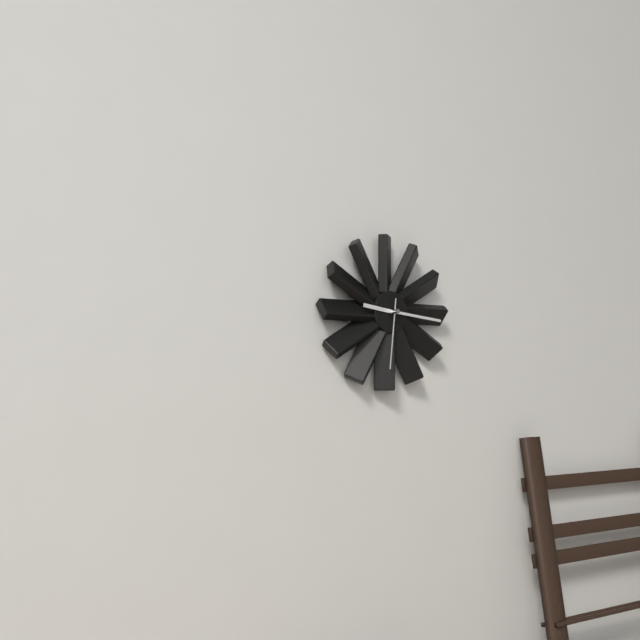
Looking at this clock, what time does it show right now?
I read 9:16:31
